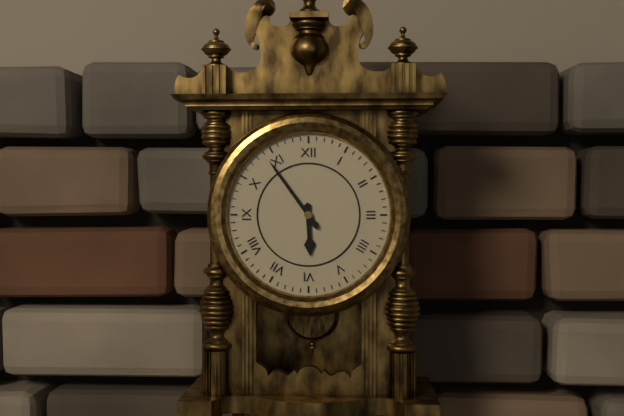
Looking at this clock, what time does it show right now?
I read 5:54
